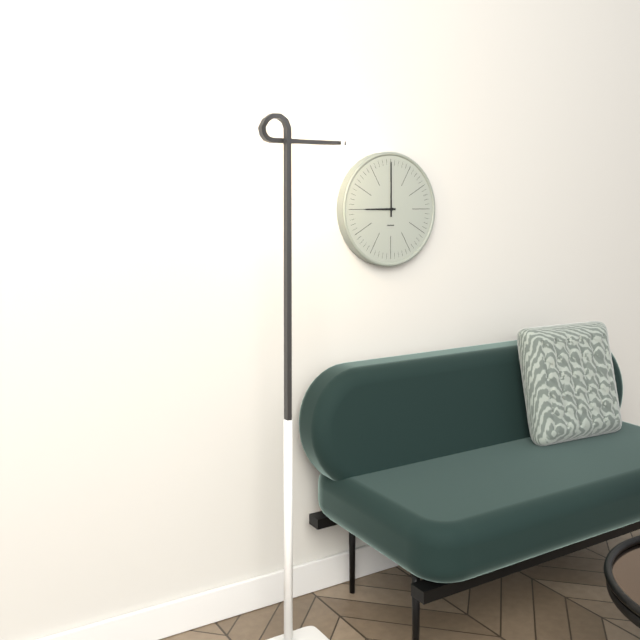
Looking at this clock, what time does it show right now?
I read 9:00
